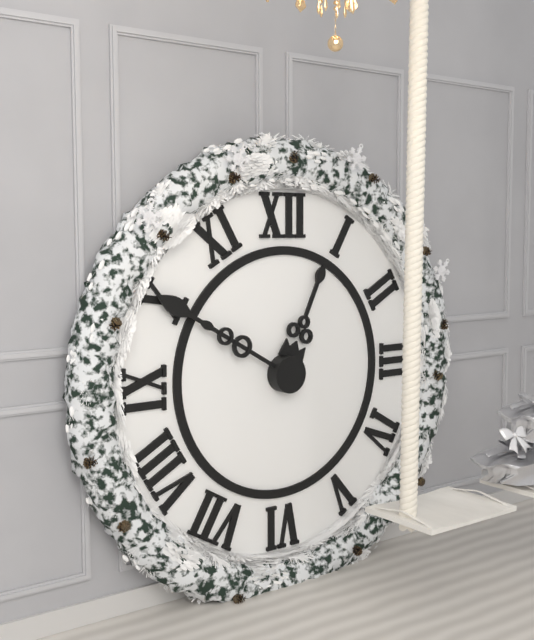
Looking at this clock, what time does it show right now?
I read 12:50
